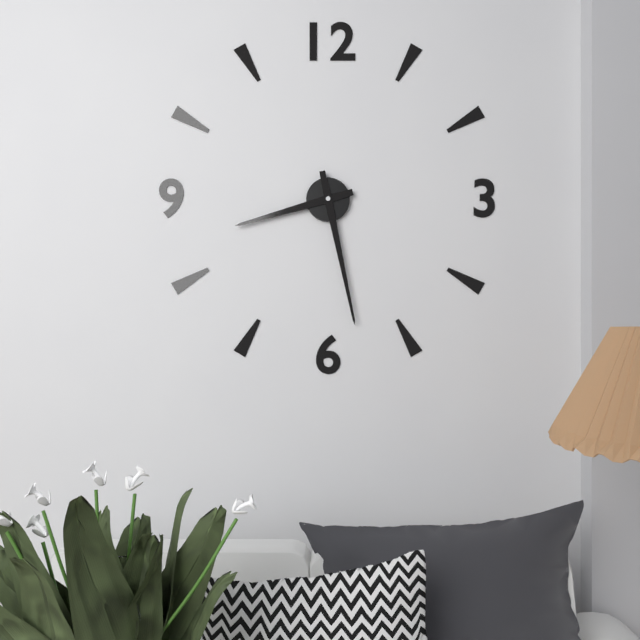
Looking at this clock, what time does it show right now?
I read 8:28
